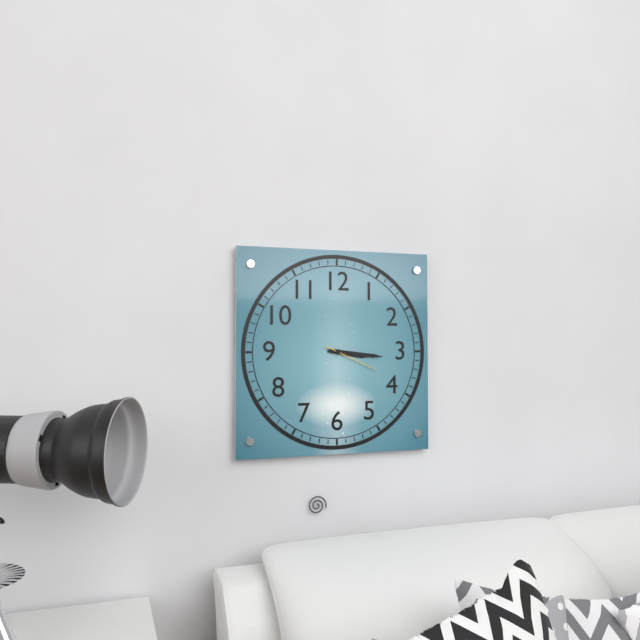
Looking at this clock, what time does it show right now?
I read 3:16:19
